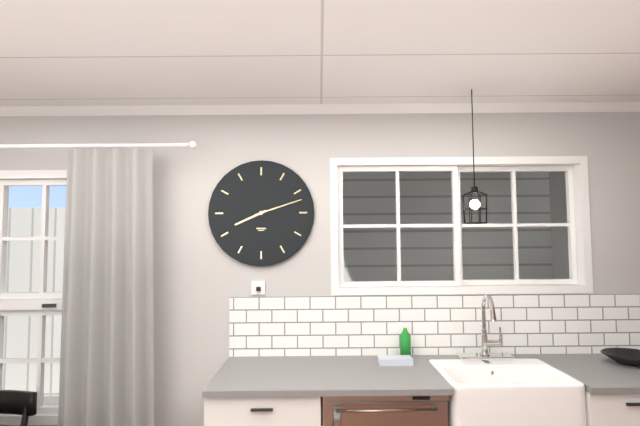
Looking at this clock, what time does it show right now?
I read 8:12
